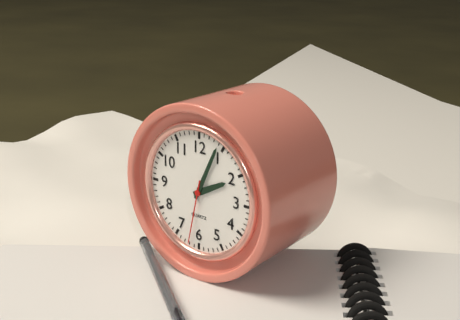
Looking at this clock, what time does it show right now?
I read 2:04:32
